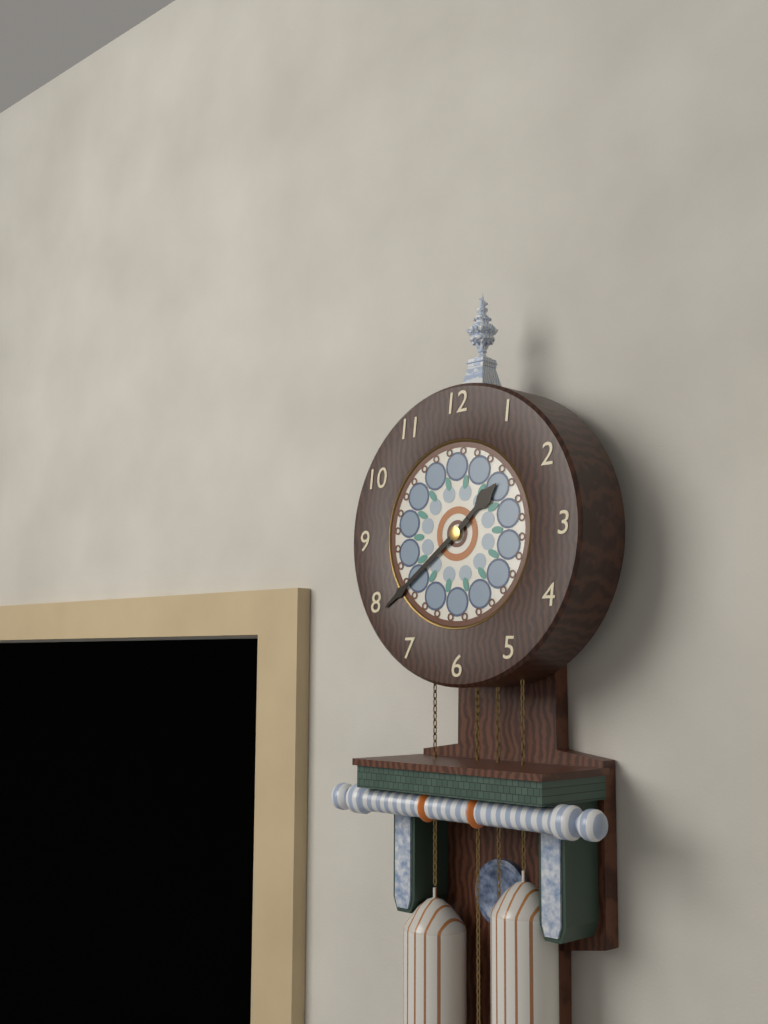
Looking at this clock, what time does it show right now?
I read 1:39
